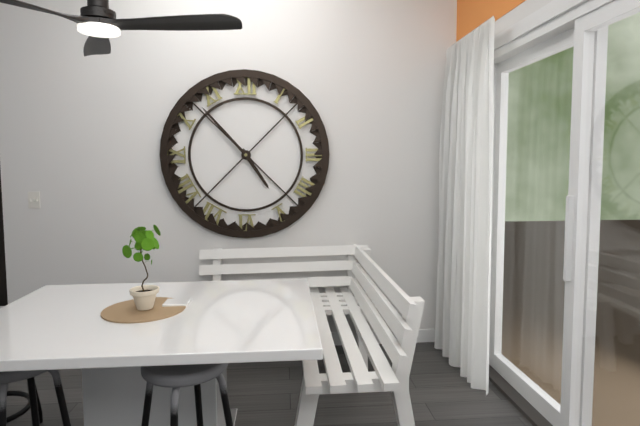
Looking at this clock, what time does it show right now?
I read 4:53
